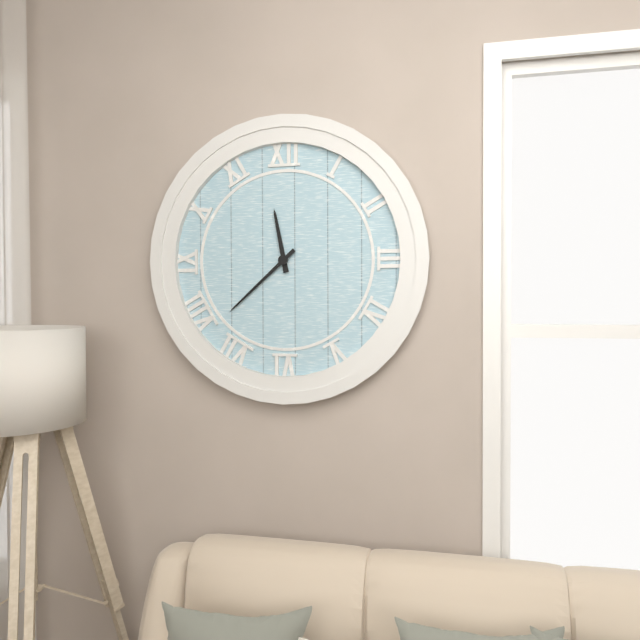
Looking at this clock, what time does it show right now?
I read 11:38
